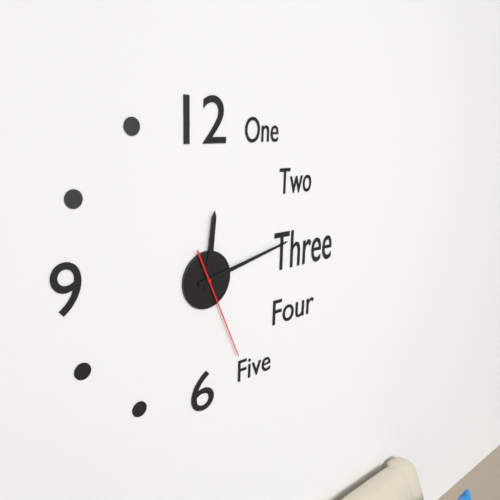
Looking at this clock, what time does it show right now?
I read 12:13:26
